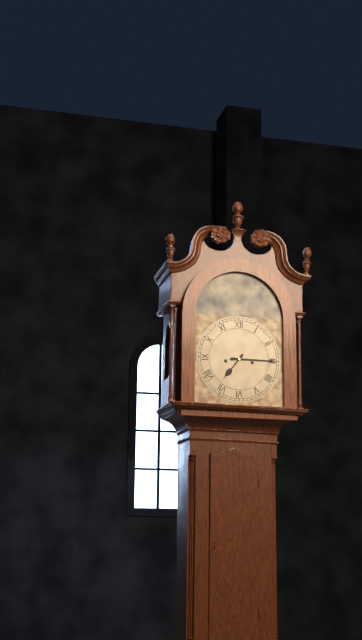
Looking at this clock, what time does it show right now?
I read 7:15
